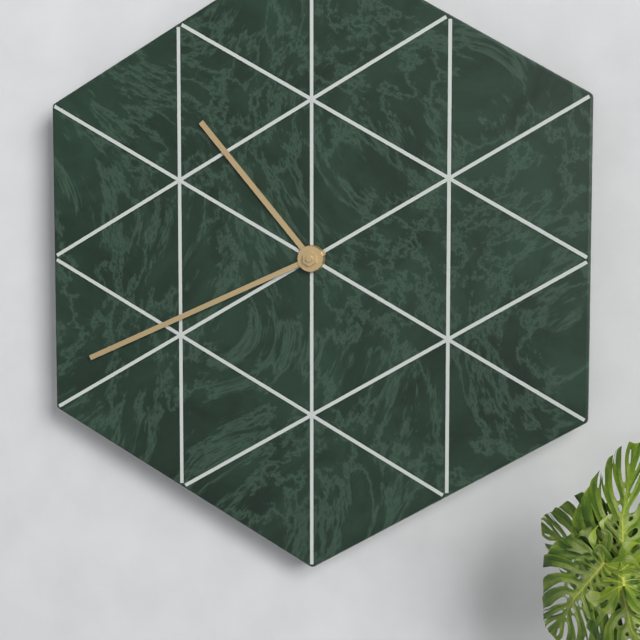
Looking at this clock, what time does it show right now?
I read 10:41
